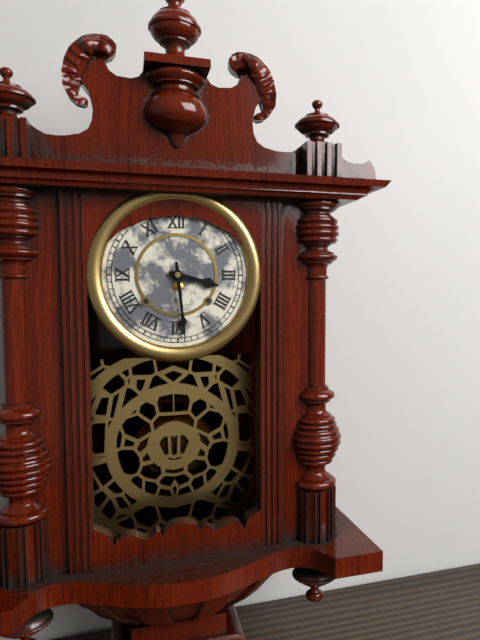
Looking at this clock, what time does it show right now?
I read 3:29
